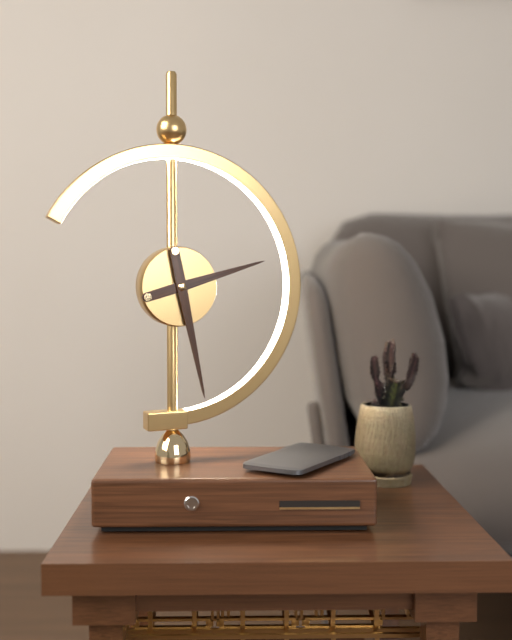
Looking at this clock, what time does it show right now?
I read 2:28
